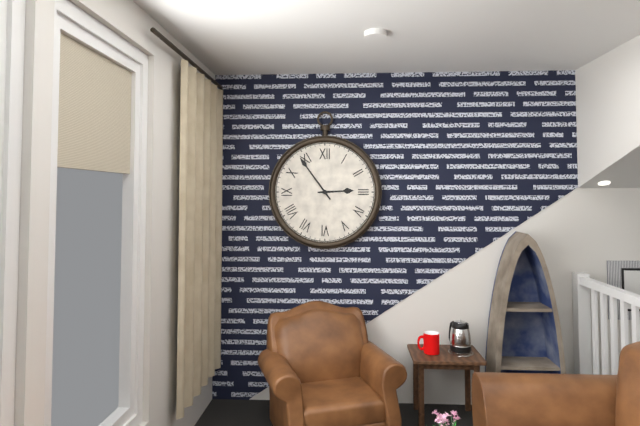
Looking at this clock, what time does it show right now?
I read 2:54
